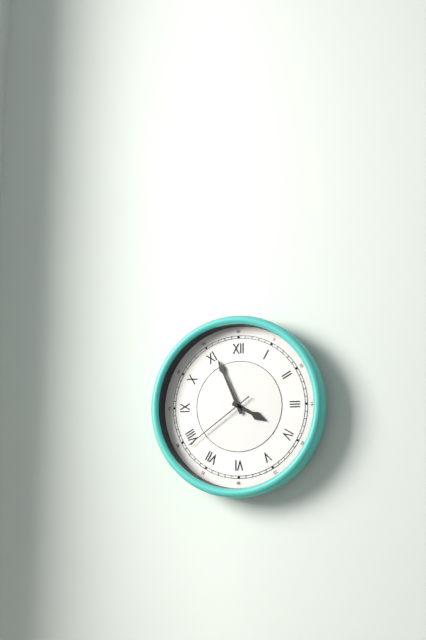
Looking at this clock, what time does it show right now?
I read 3:56:39
